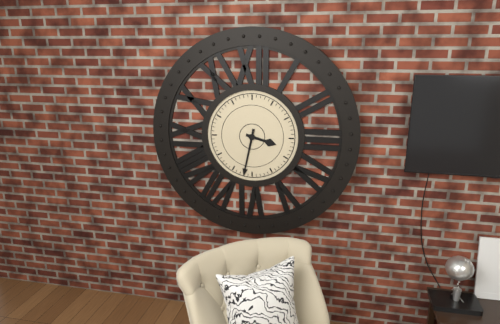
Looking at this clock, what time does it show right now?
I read 3:32
